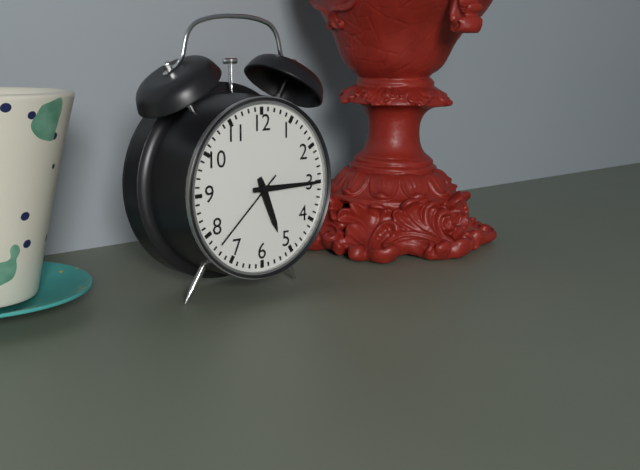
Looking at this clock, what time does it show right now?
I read 5:15:38
